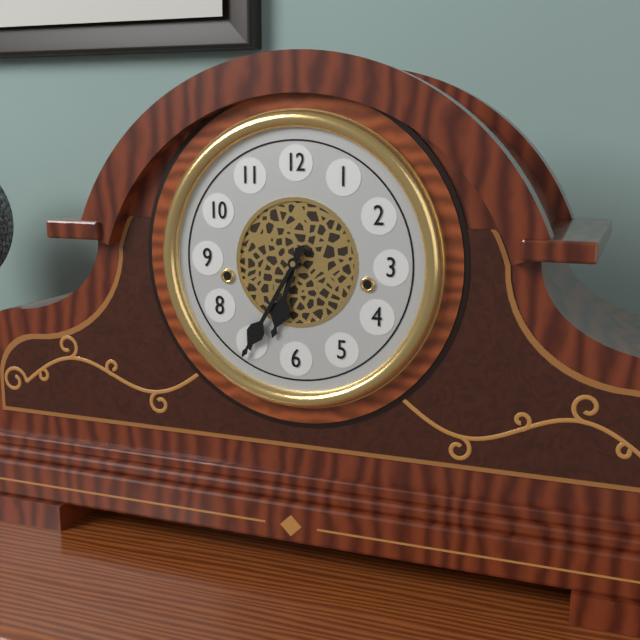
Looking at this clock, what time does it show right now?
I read 6:35
